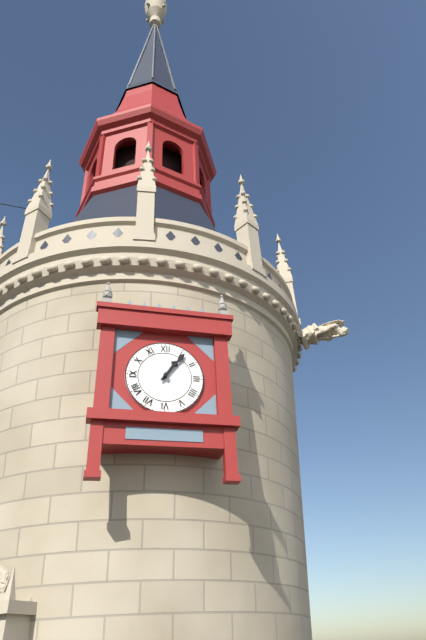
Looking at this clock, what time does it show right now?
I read 1:06
